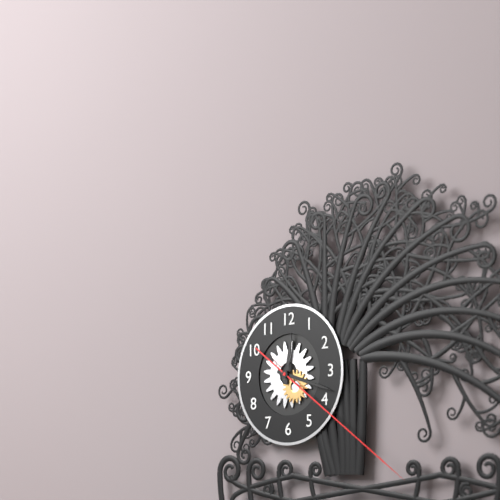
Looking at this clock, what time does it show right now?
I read 12:18:21
